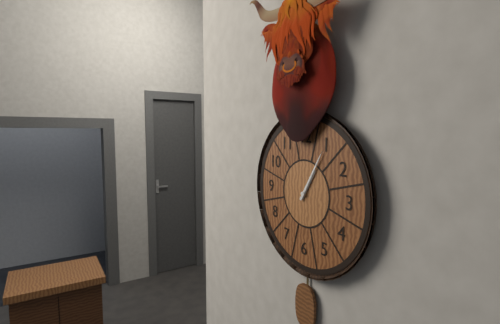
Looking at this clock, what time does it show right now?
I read 1:05
